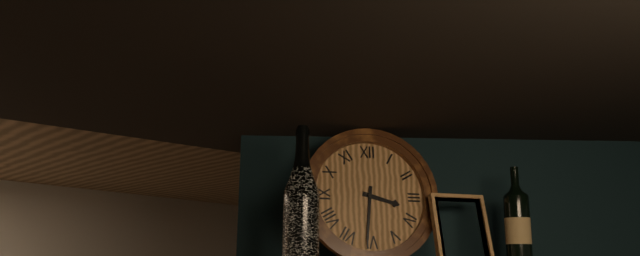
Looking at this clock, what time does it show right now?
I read 3:31
